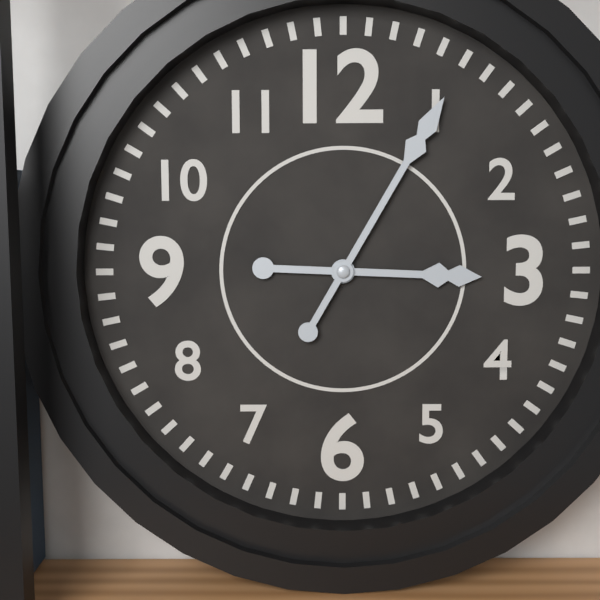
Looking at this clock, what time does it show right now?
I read 3:05
